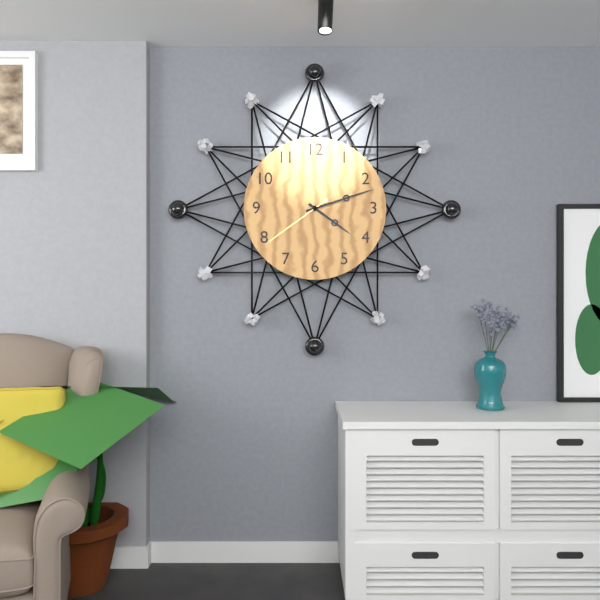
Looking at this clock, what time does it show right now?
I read 4:12:39
